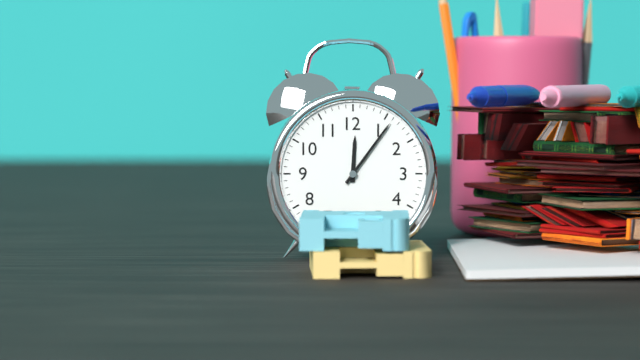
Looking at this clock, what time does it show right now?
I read 12:06
